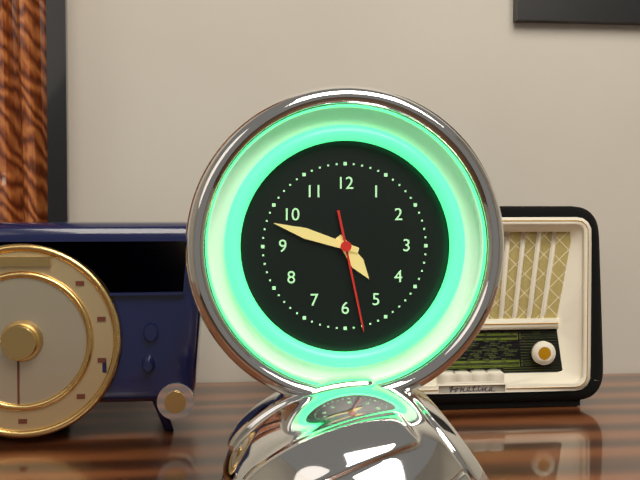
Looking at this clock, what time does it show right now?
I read 4:48:28
